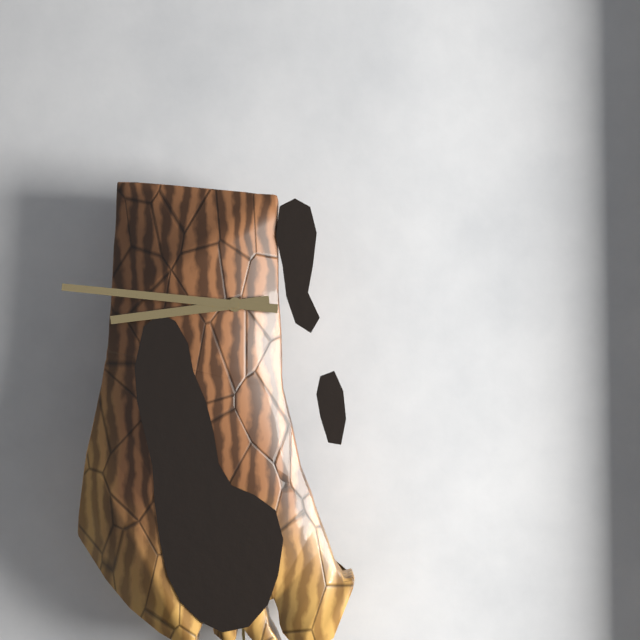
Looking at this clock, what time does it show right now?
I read 8:46
